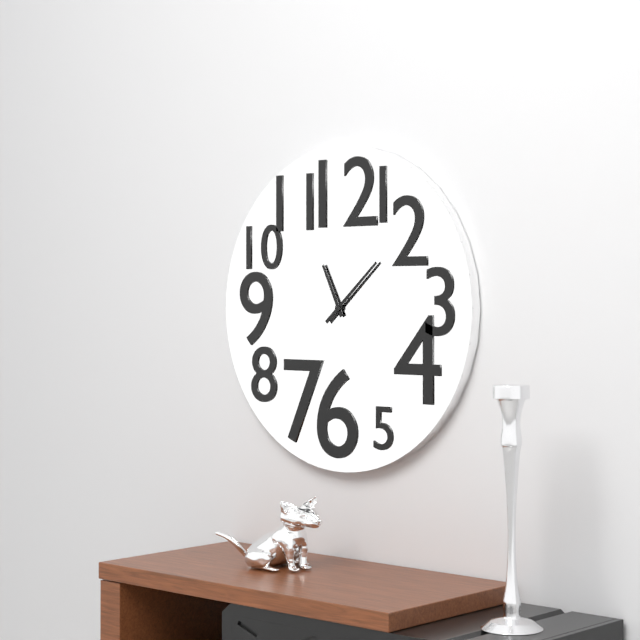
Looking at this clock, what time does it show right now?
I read 11:08
